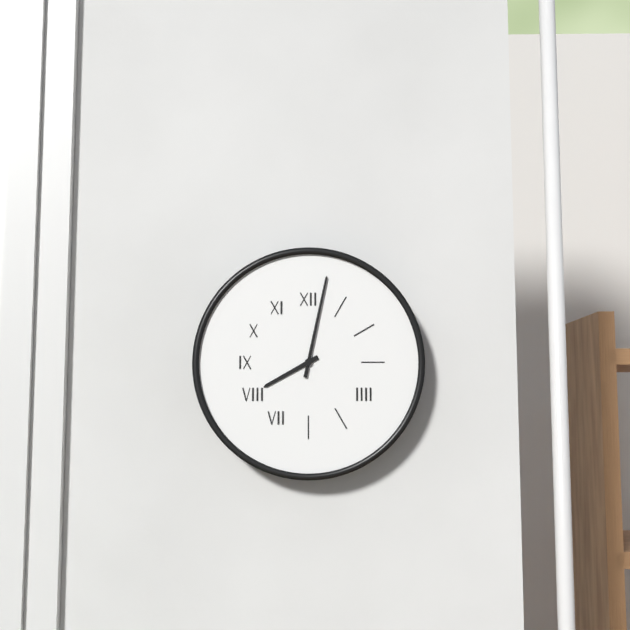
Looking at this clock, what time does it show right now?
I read 8:02
